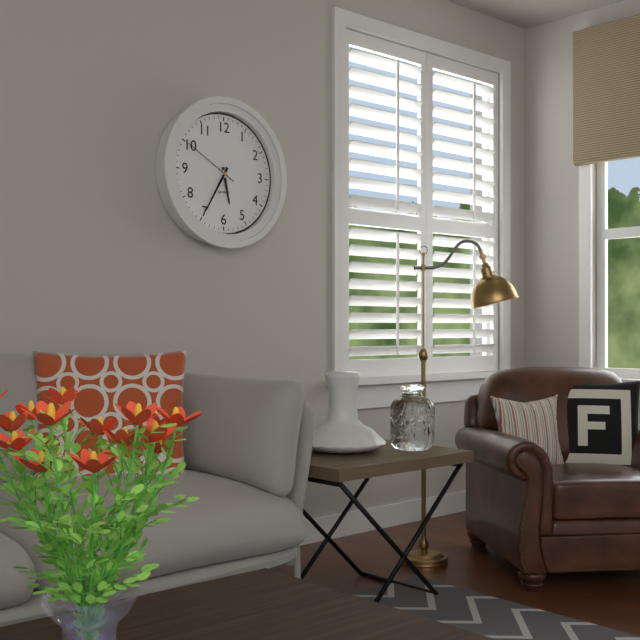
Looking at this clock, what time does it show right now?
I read 5:35:50
